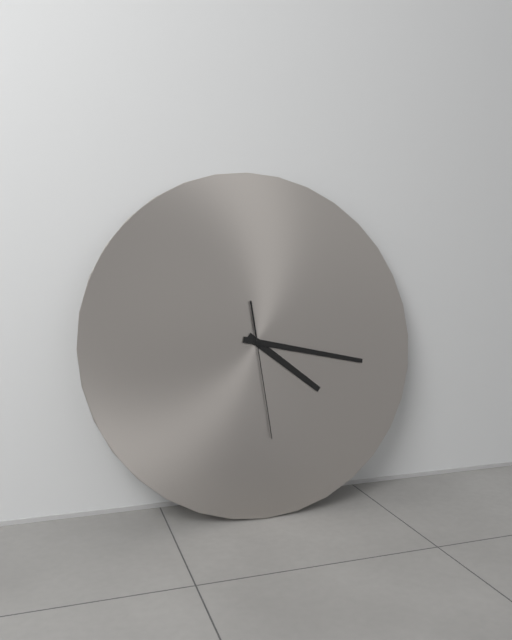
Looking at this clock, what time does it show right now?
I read 4:17:29
